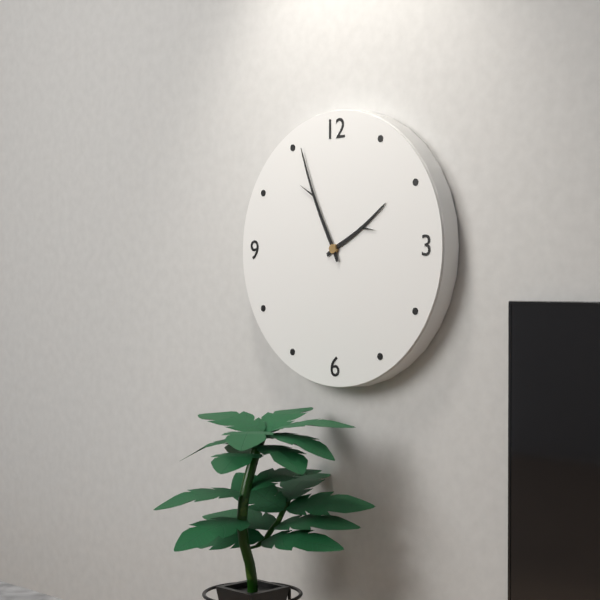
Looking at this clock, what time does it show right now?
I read 1:56
